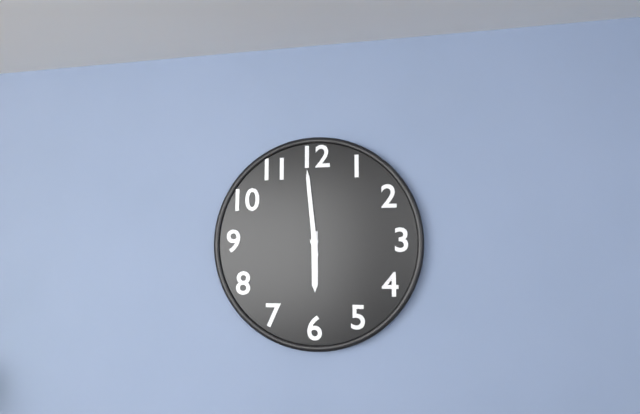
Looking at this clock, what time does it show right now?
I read 5:59
